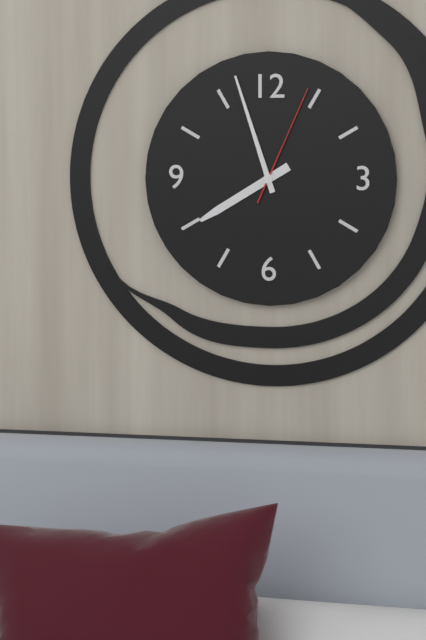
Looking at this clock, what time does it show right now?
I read 7:57:04
